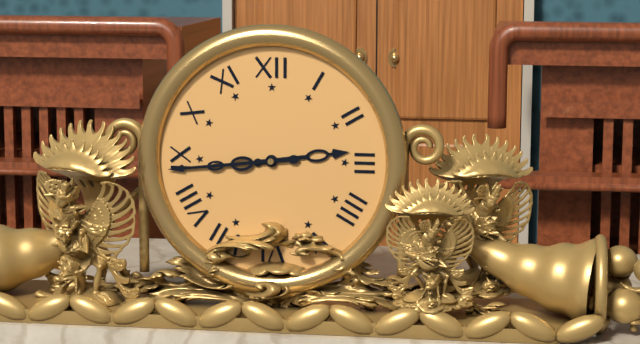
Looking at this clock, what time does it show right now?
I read 2:44
